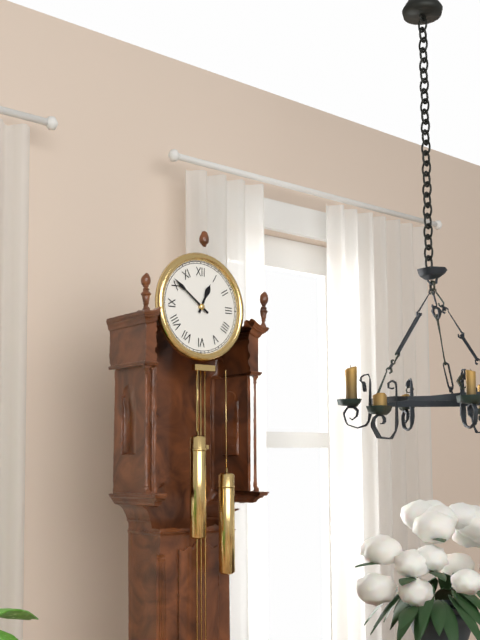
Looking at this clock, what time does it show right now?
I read 12:51
